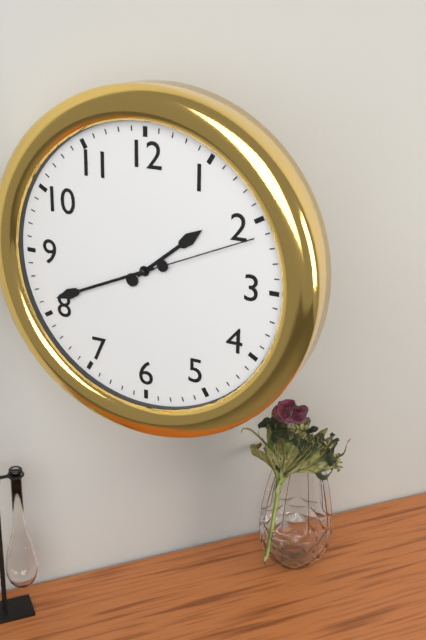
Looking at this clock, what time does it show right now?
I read 1:41:11
